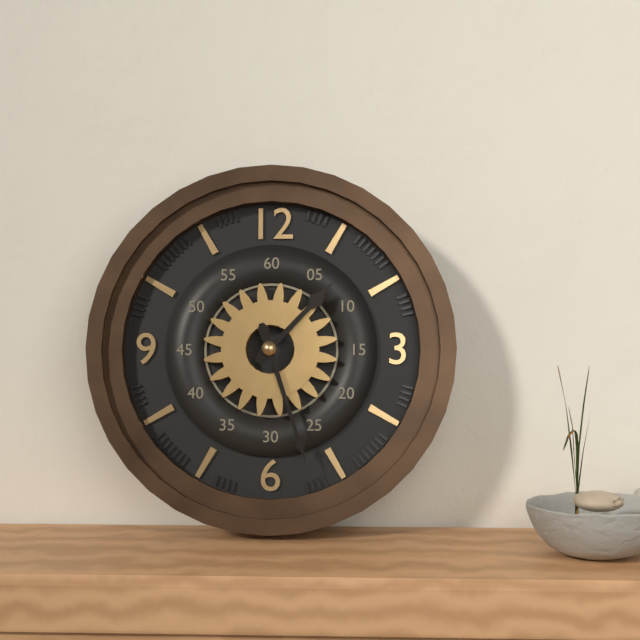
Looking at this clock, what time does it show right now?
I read 1:27
